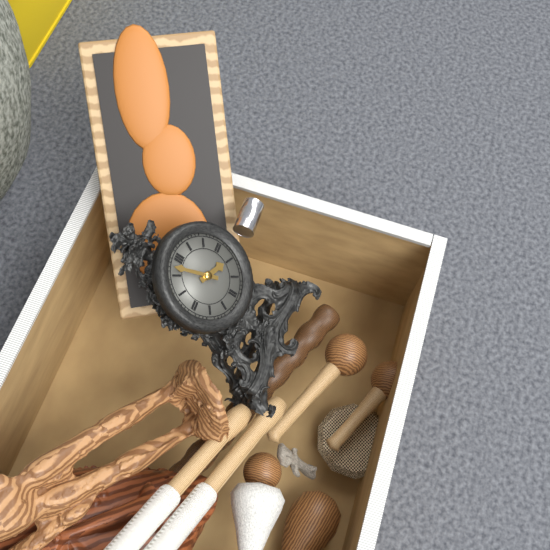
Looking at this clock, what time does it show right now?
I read 3:57
